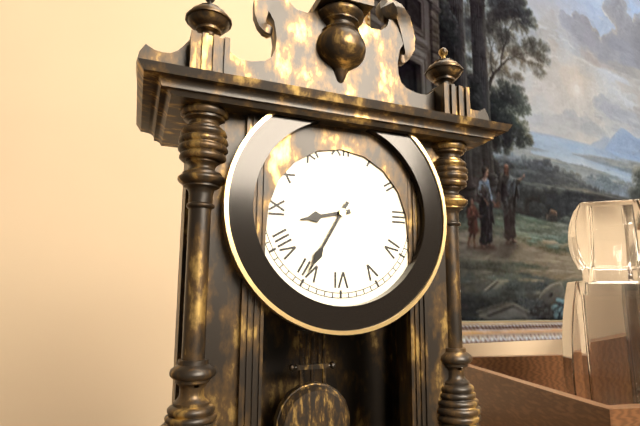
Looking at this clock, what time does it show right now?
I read 8:35
